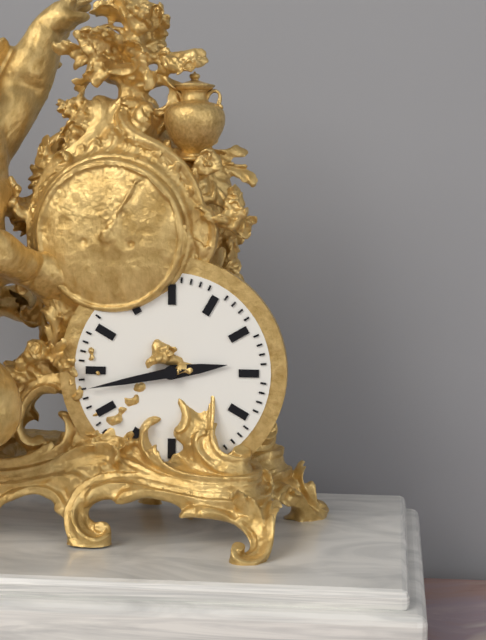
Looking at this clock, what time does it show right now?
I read 2:43
